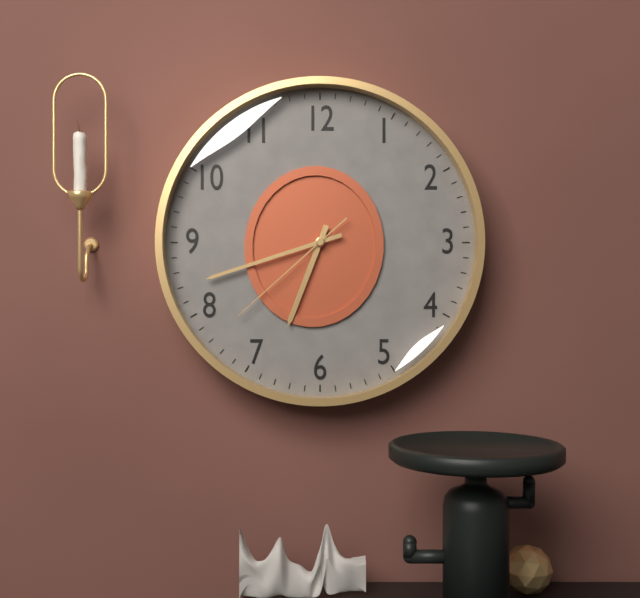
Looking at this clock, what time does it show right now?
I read 6:42:38
